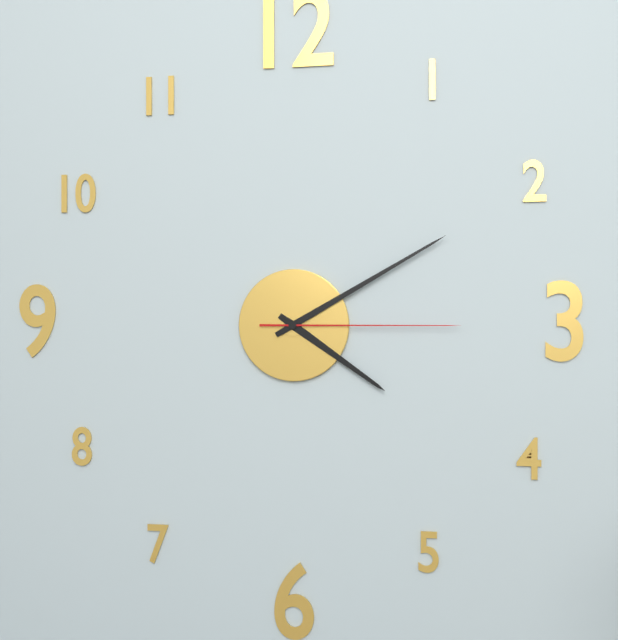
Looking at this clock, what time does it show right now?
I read 4:10:15
